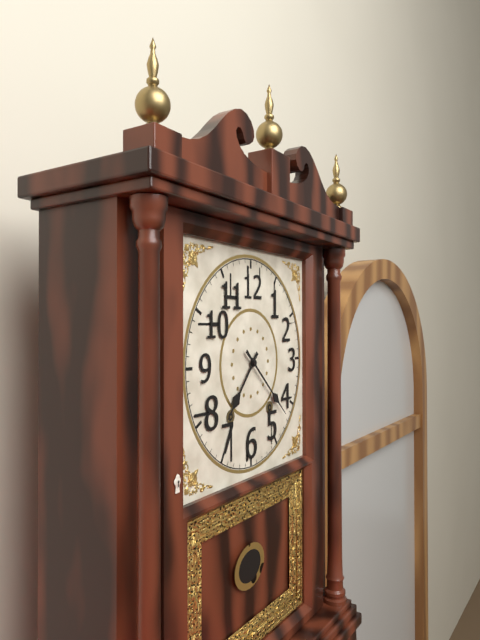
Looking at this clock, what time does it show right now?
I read 7:22
